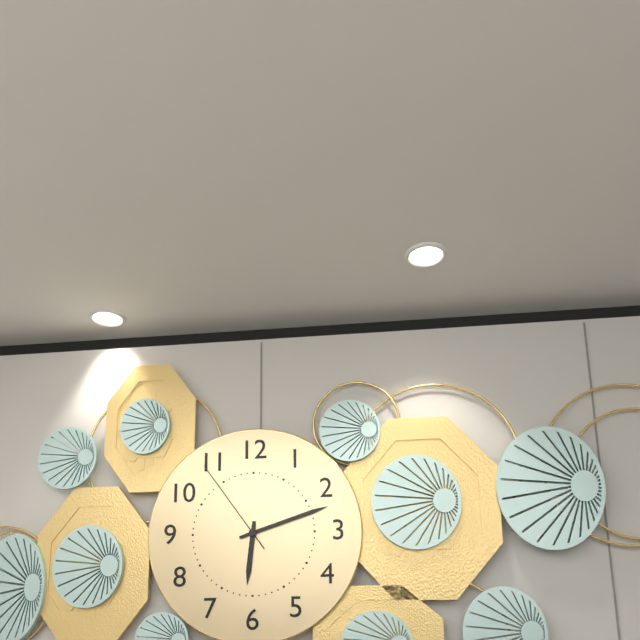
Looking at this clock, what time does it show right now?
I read 6:12:54
